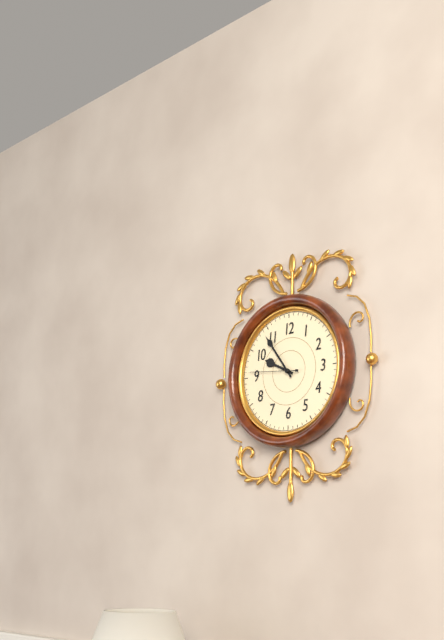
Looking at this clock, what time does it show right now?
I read 9:54
